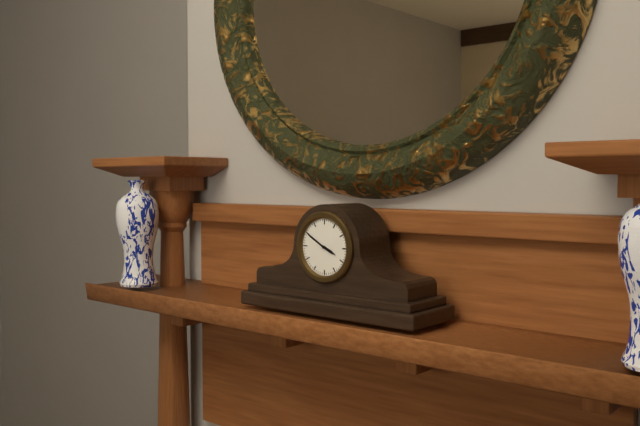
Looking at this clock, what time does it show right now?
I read 3:50
